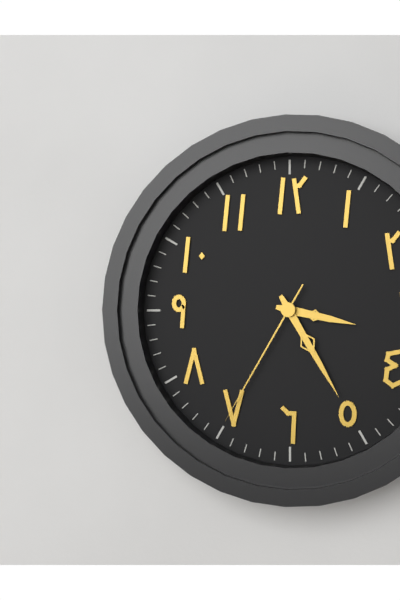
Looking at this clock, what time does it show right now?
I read 3:25:35
